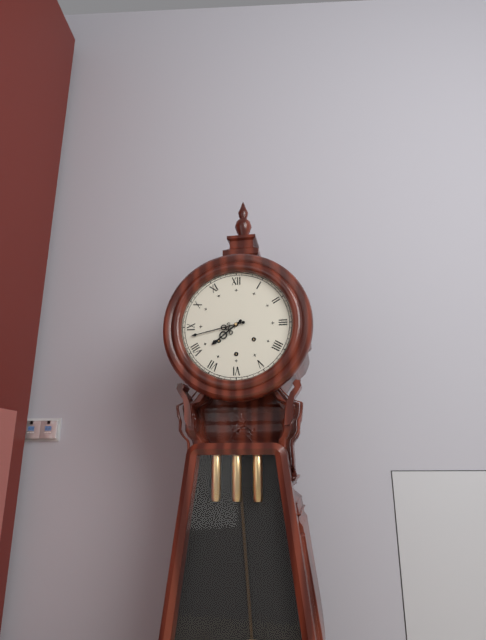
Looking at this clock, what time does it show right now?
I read 7:43
